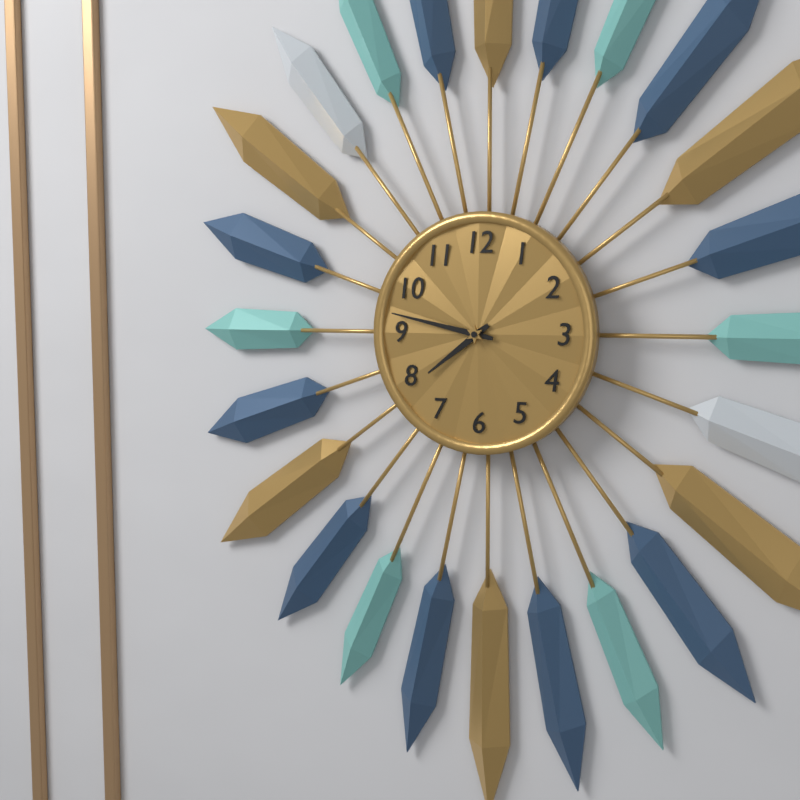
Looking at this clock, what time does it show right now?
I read 7:47
